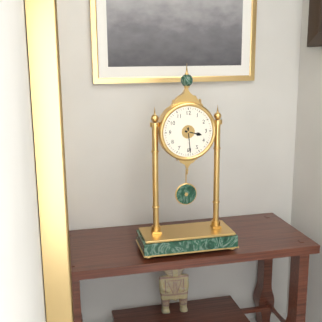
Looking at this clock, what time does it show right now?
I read 3:29
